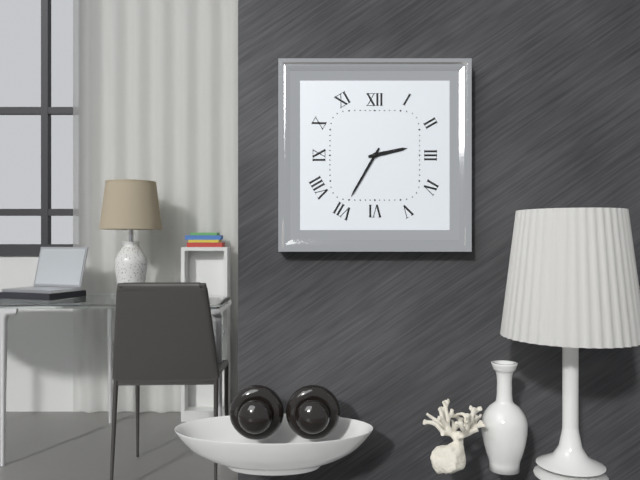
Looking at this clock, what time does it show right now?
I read 2:35
